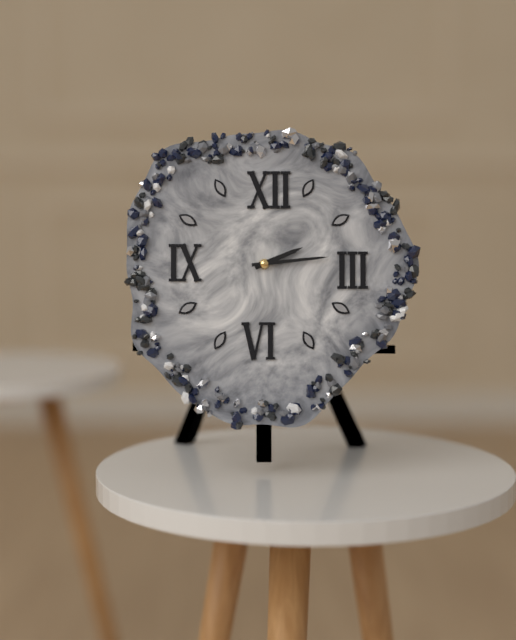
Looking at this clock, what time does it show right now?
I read 2:14
